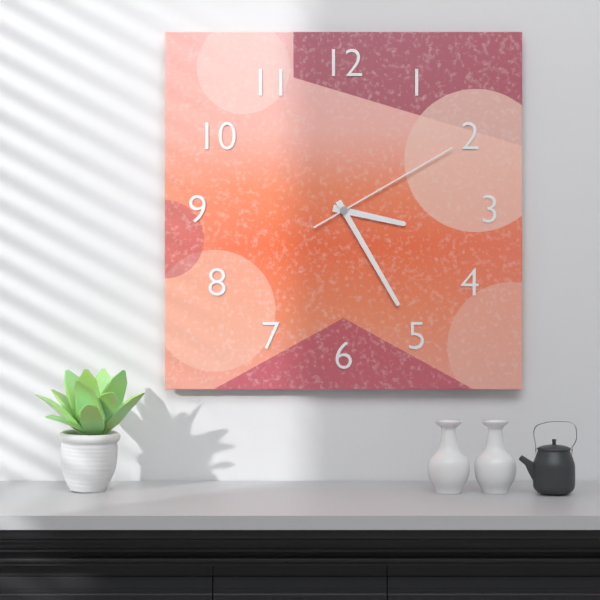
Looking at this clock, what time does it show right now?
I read 3:25:10
